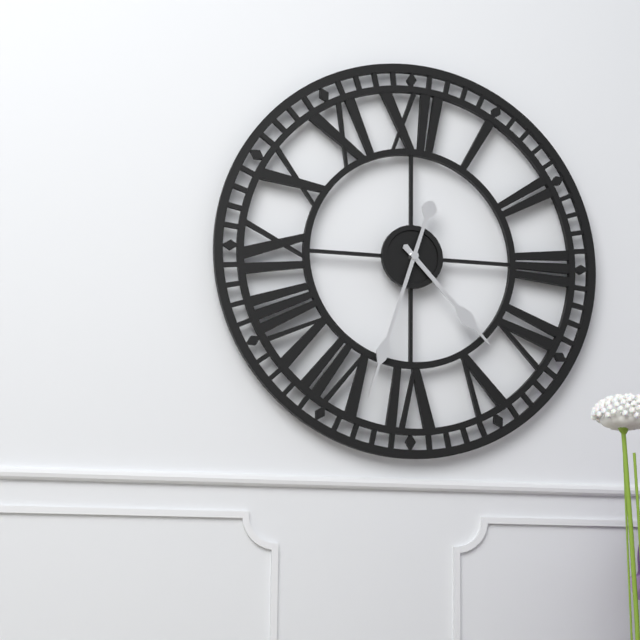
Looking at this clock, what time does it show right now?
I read 4:33
